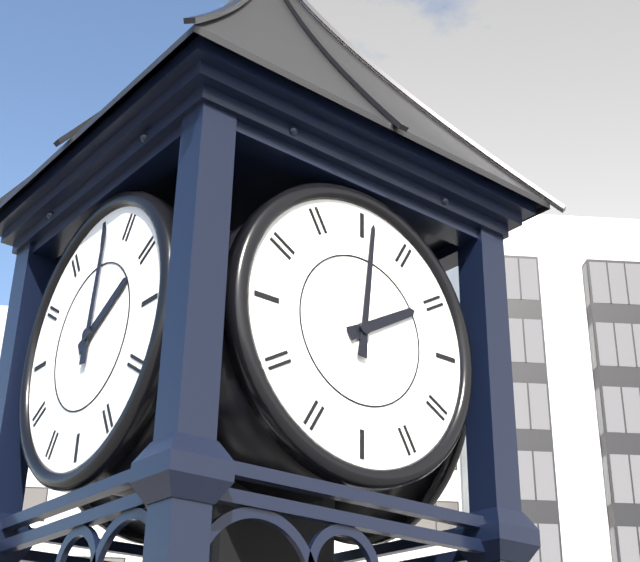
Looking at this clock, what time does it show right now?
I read 2:01
